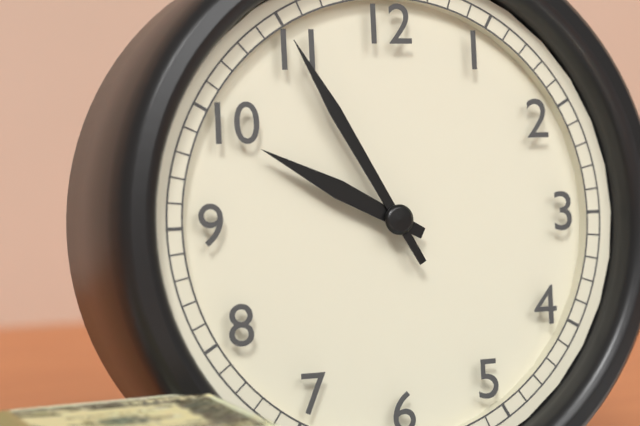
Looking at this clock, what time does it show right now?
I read 9:55
